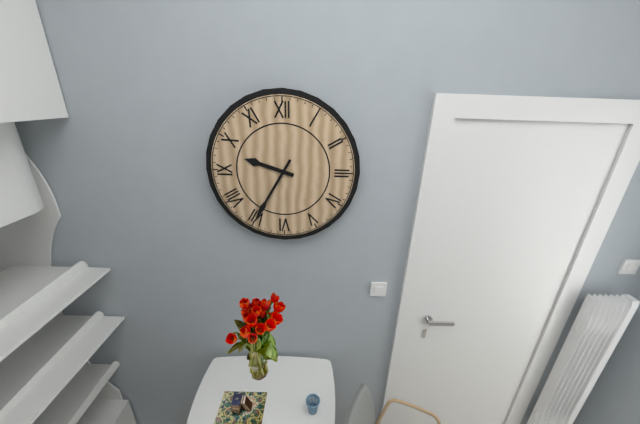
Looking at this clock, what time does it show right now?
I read 9:35
